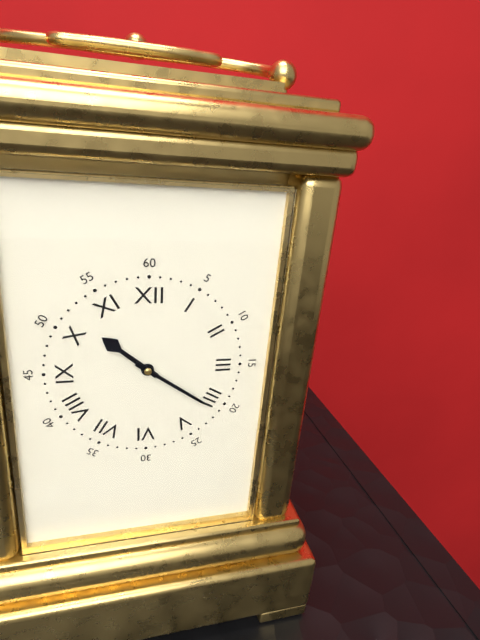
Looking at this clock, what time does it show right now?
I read 10:21
